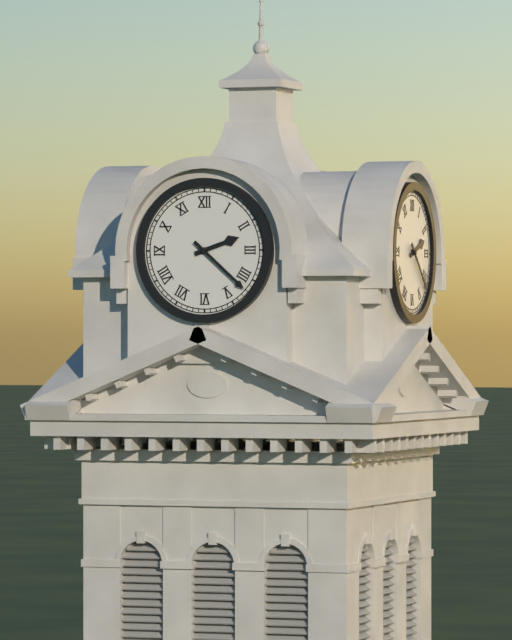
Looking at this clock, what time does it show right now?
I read 2:22
